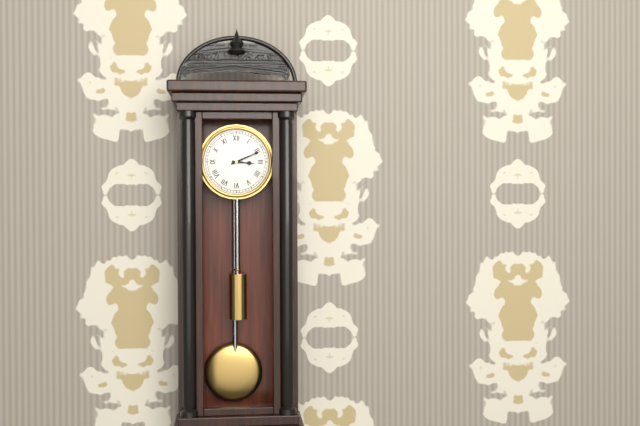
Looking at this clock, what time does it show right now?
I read 3:11
